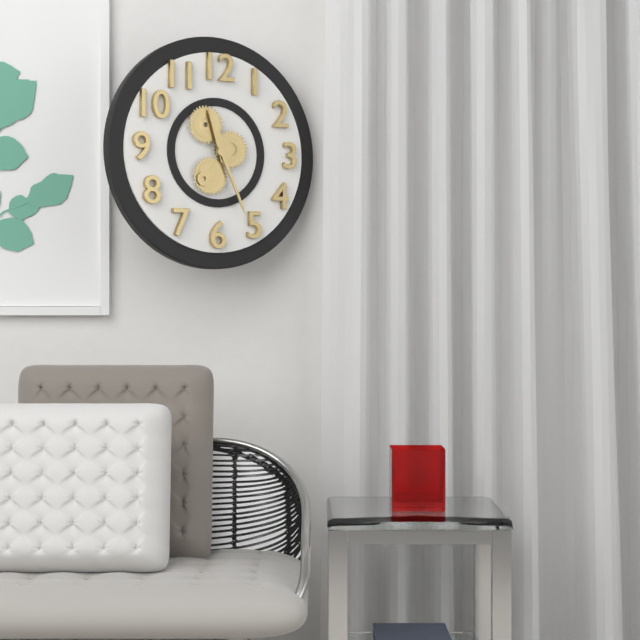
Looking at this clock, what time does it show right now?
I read 11:26
